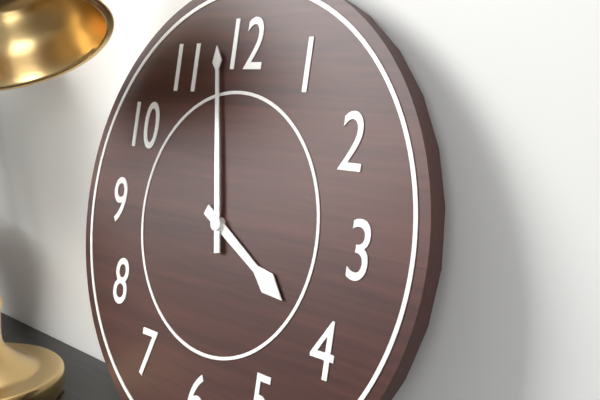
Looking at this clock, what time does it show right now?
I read 3:58
